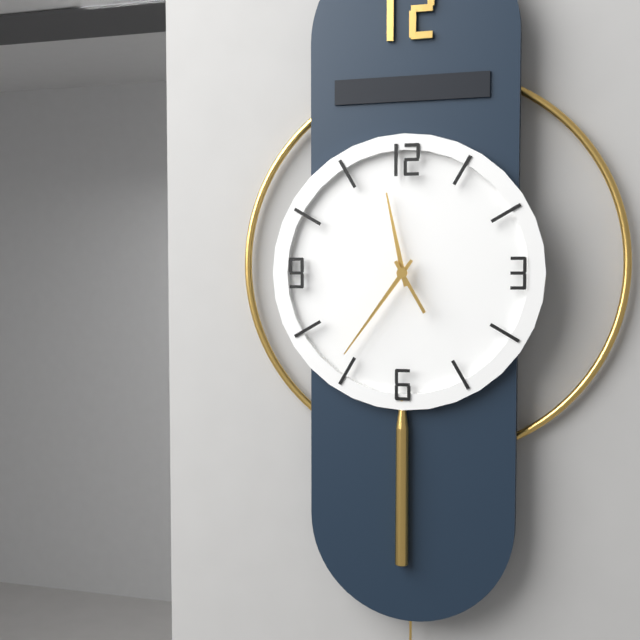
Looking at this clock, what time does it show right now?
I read 11:36:25
